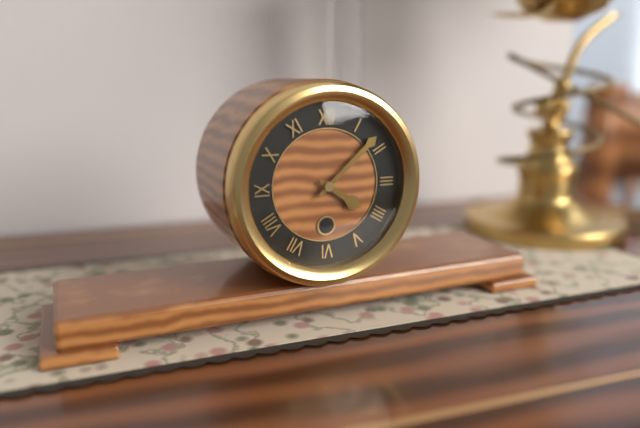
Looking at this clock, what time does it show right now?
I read 4:08
